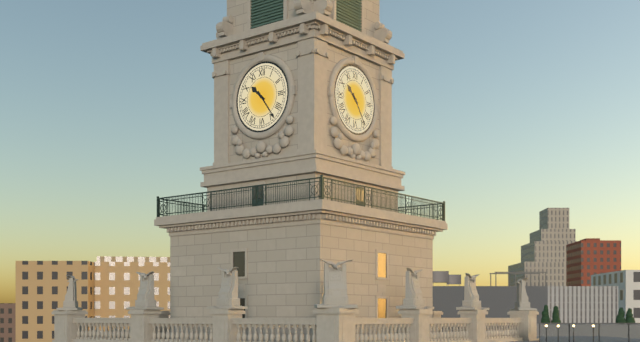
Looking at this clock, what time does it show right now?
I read 10:24
